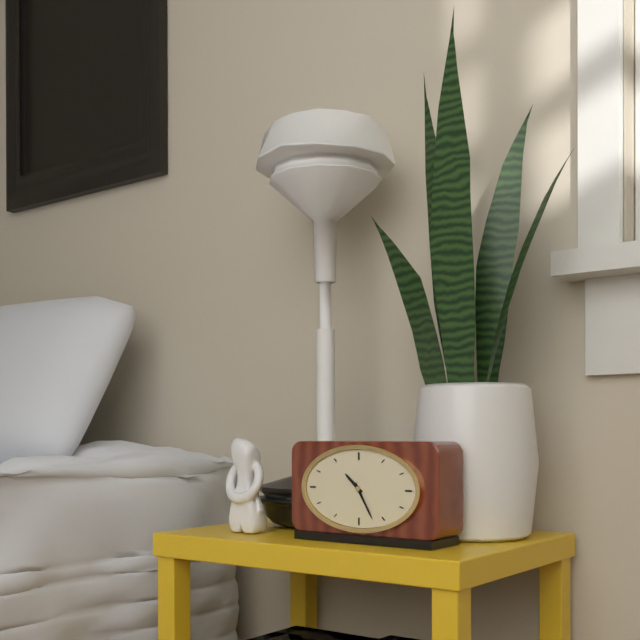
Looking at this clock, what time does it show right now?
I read 10:25
